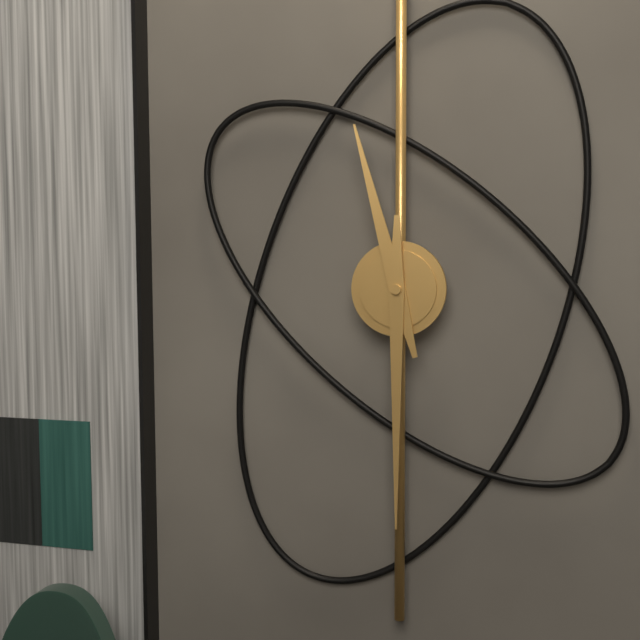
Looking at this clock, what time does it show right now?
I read 11:30
